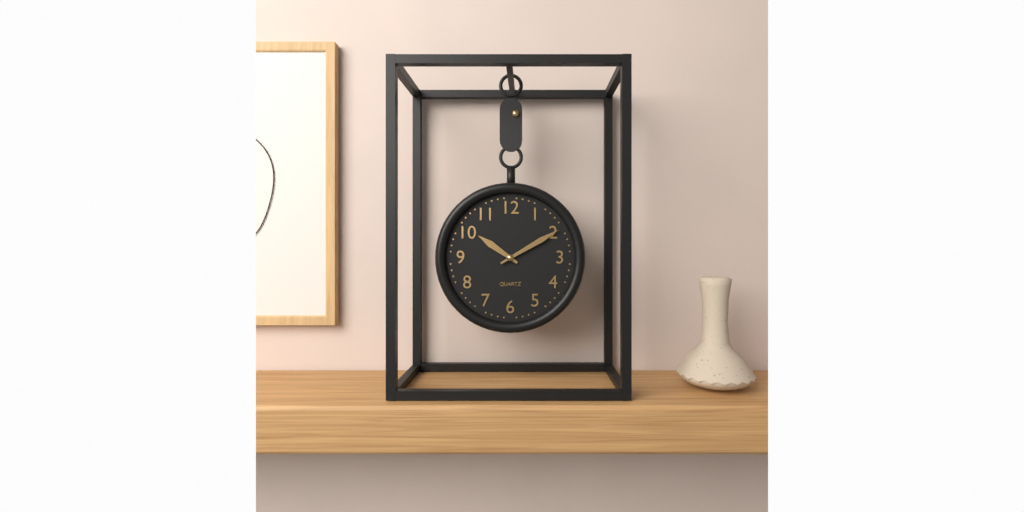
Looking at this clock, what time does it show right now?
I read 10:10
